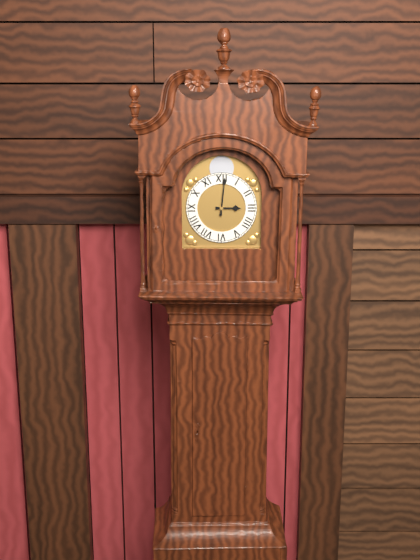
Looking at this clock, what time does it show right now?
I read 3:01
